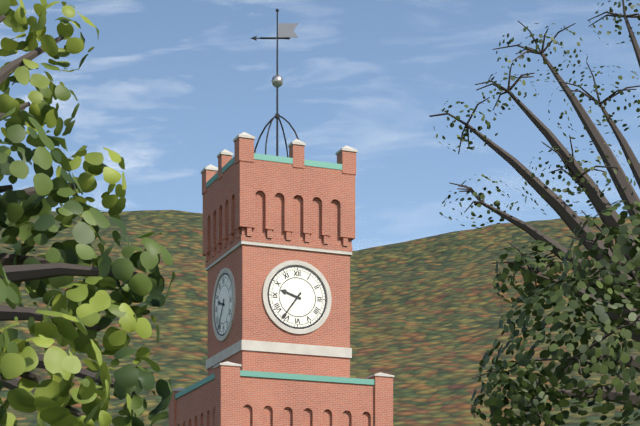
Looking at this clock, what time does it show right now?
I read 9:36
